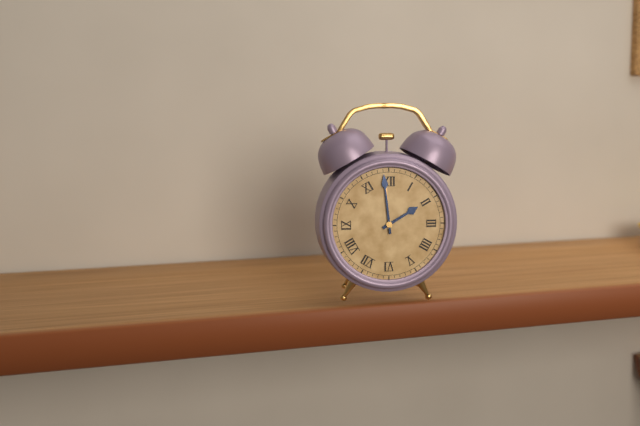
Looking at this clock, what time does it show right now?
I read 1:59
